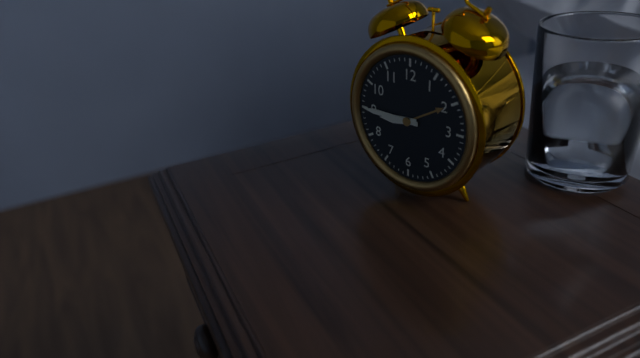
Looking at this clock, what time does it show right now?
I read 8:45
